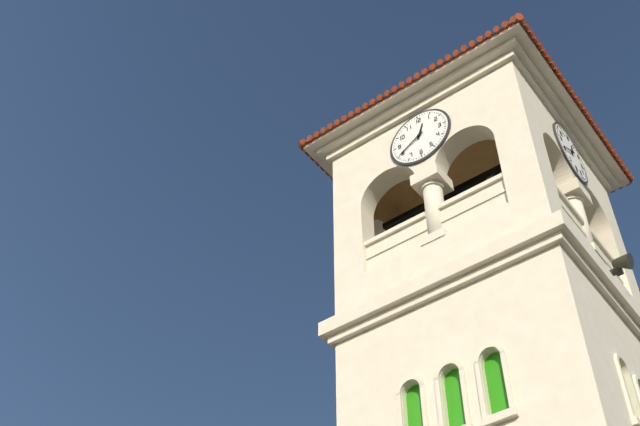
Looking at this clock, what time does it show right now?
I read 12:40
